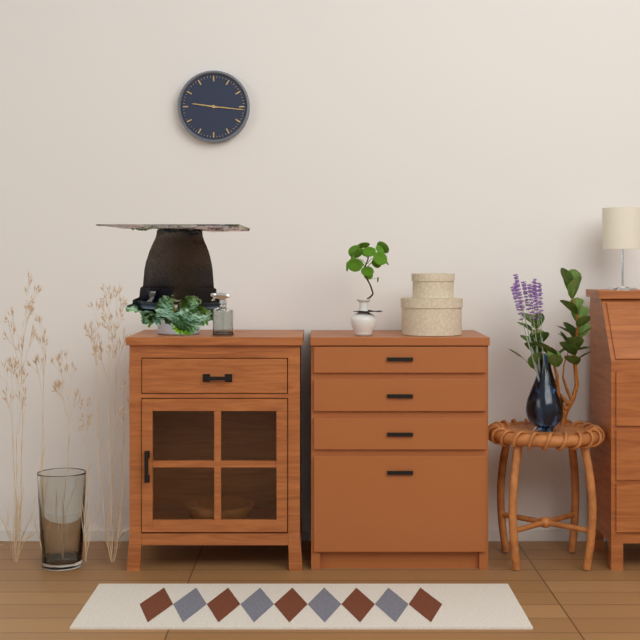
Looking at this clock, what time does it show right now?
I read 9:16
